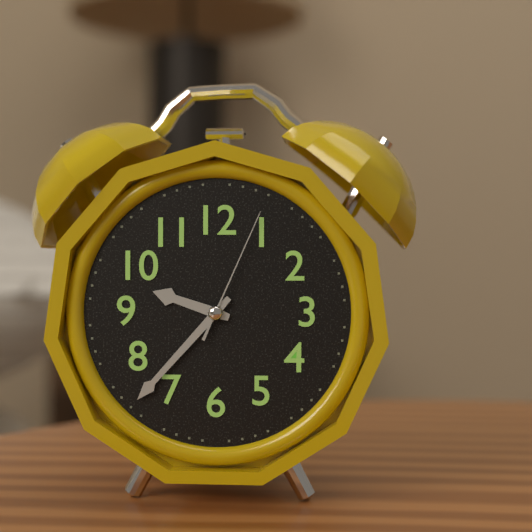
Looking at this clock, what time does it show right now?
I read 9:37:04
